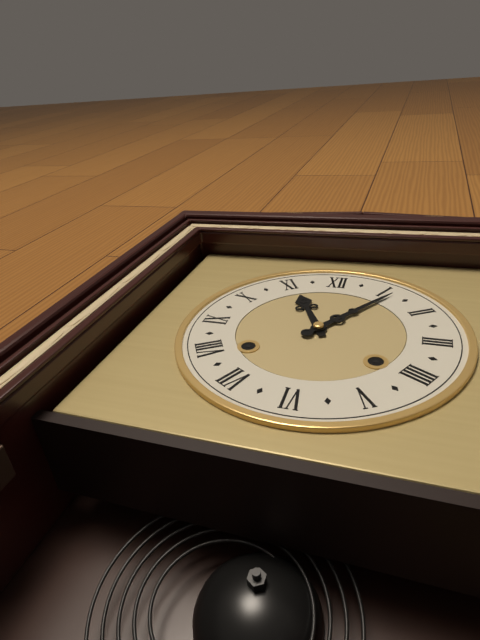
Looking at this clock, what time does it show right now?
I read 11:06
